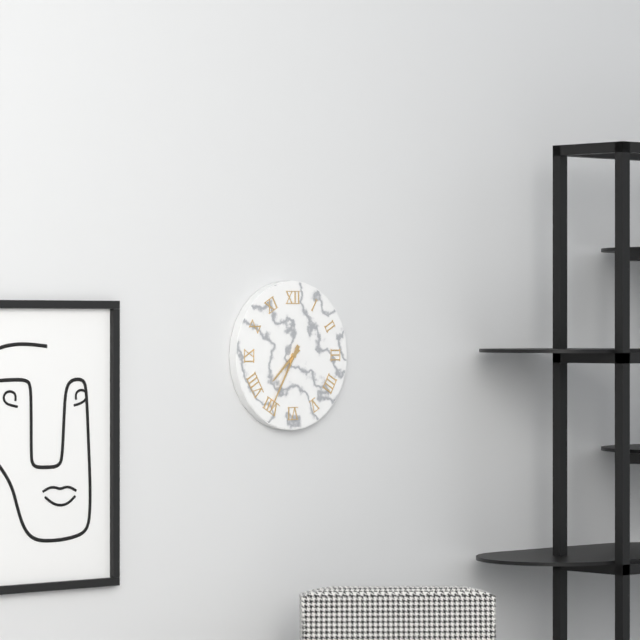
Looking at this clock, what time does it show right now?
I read 7:35
